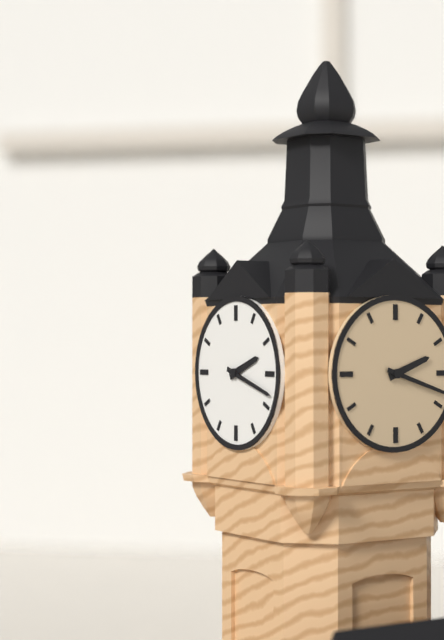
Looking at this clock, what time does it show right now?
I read 2:18
